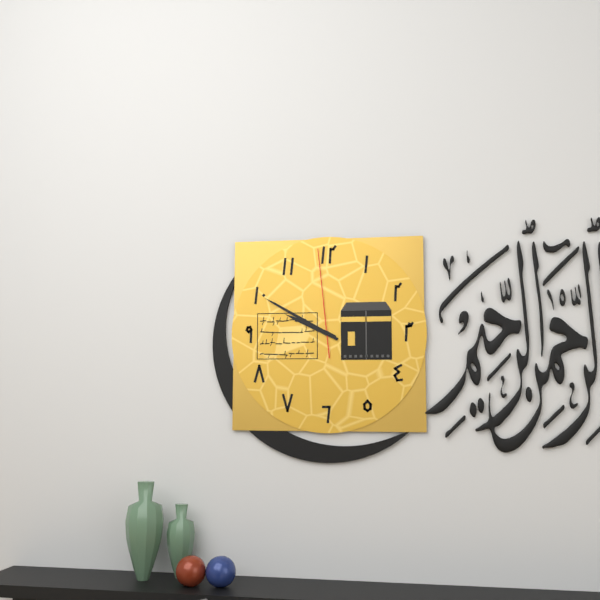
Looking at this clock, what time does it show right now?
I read 9:50:59
